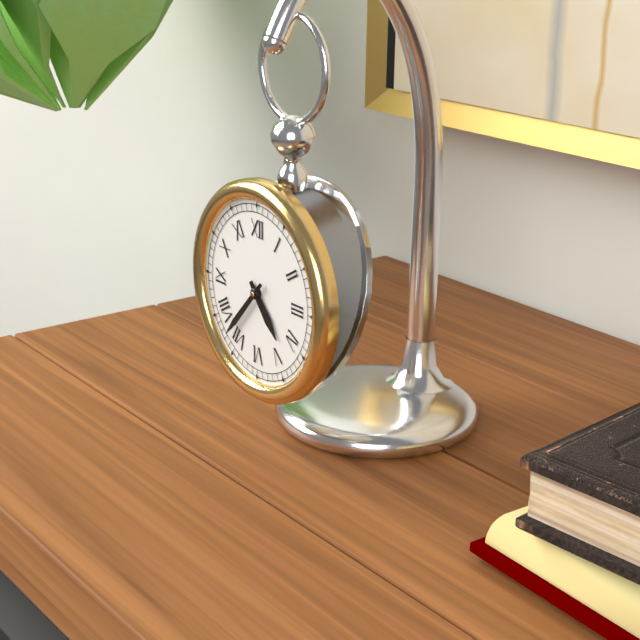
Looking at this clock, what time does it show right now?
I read 4:37
